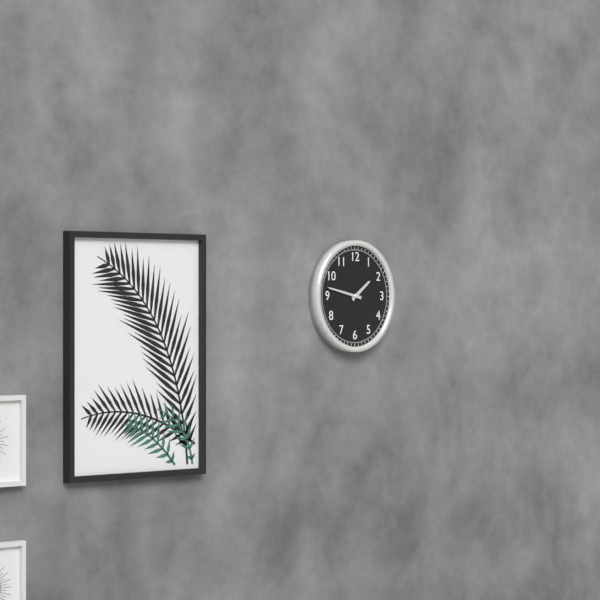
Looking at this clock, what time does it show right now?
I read 1:47
